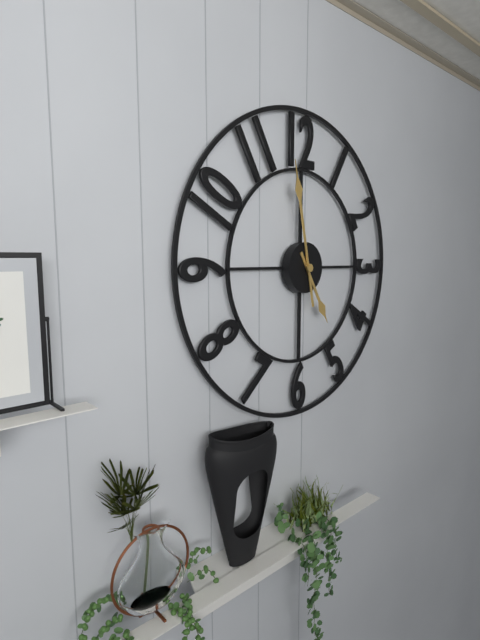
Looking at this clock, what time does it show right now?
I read 4:58
